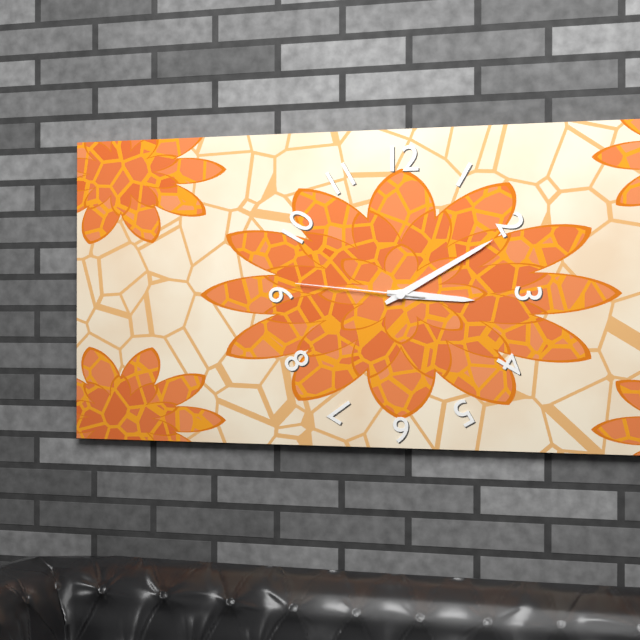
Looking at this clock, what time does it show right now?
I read 3:10:46
